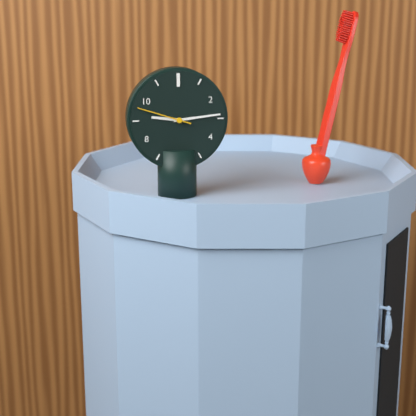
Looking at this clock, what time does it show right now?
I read 9:14:48
